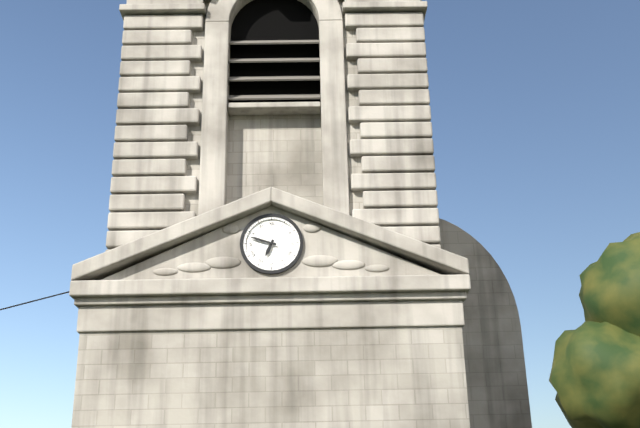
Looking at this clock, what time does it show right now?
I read 6:48
